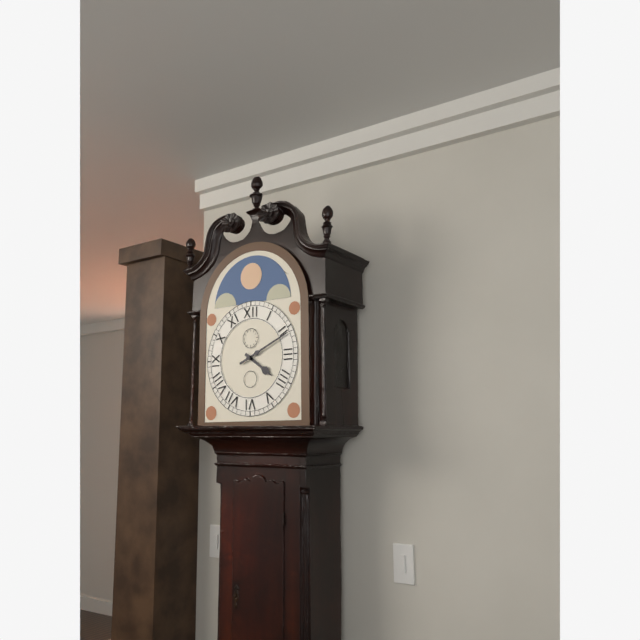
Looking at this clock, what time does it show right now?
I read 4:11
